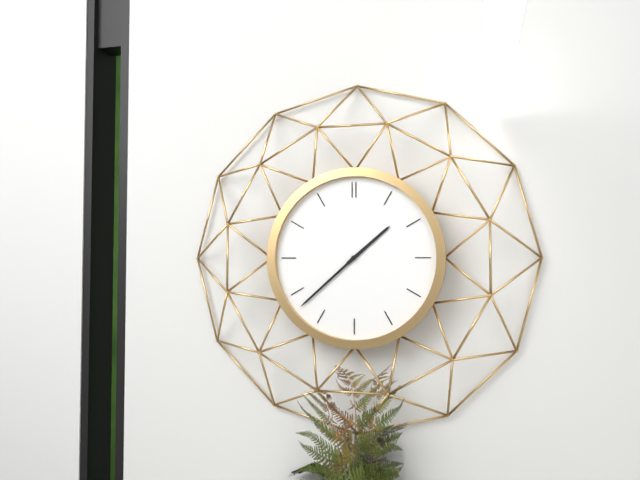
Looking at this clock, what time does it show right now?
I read 1:38
